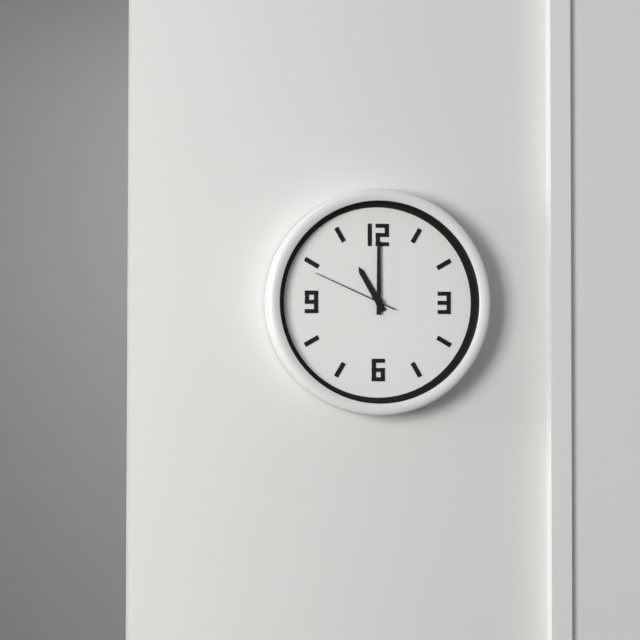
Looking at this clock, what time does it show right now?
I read 11:00:49
